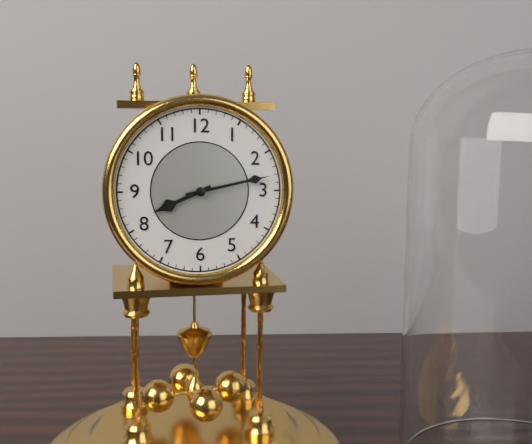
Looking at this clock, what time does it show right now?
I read 8:13
